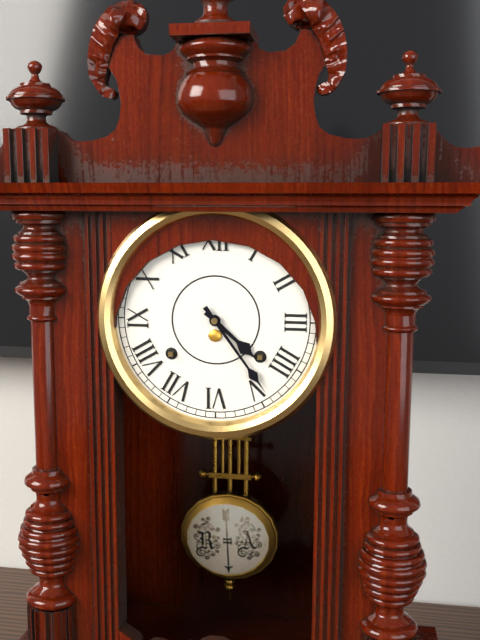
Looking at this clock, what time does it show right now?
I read 4:24
